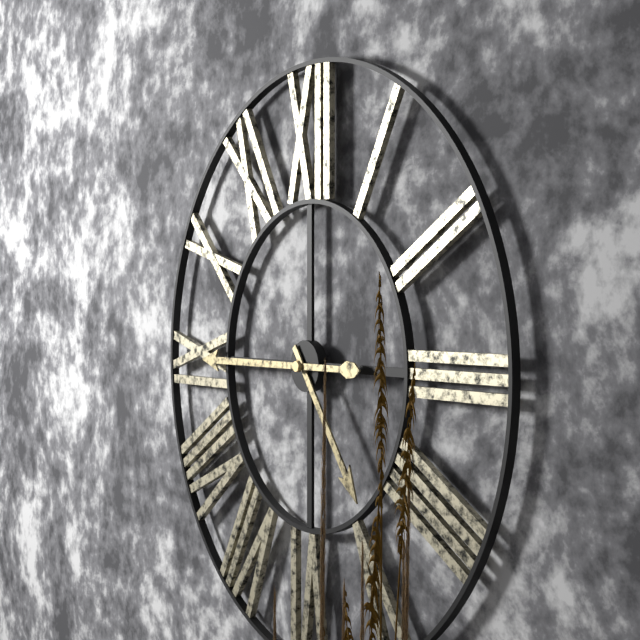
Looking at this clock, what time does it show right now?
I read 4:45
